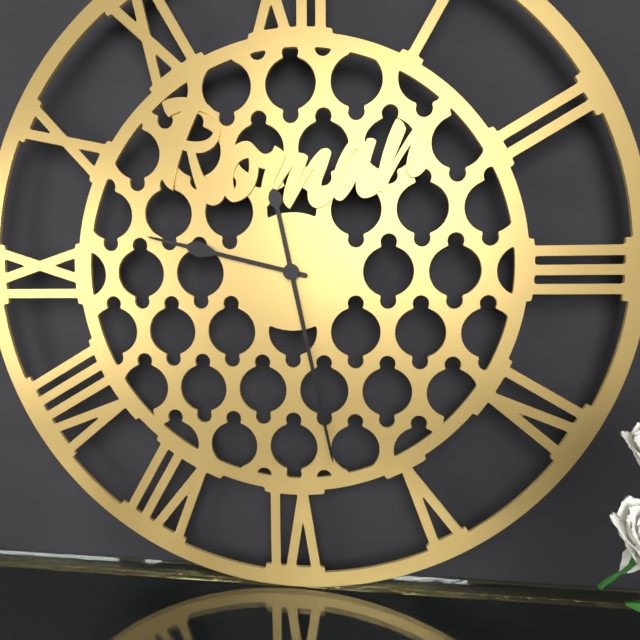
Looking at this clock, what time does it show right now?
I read 9:28
